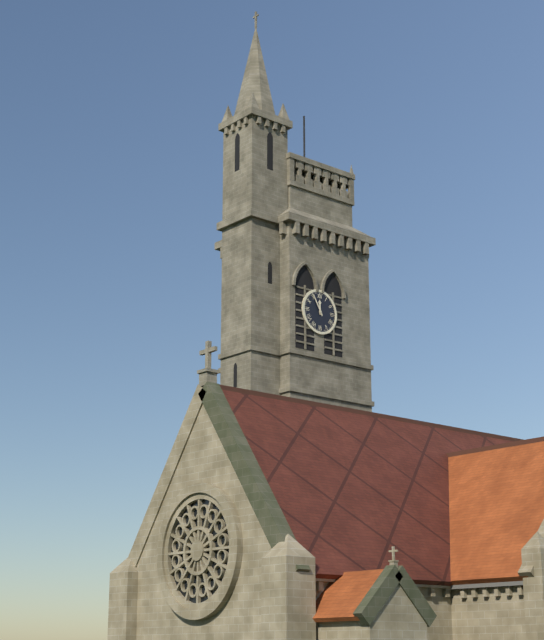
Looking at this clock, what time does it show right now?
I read 11:55
